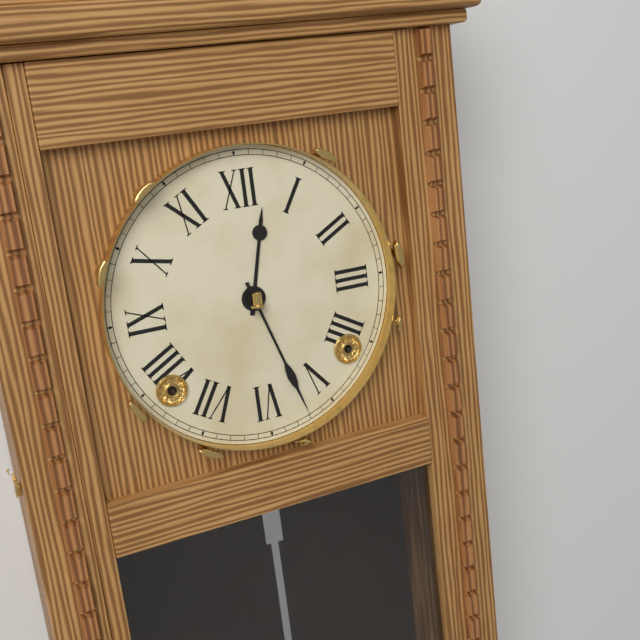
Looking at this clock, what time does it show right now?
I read 12:27
